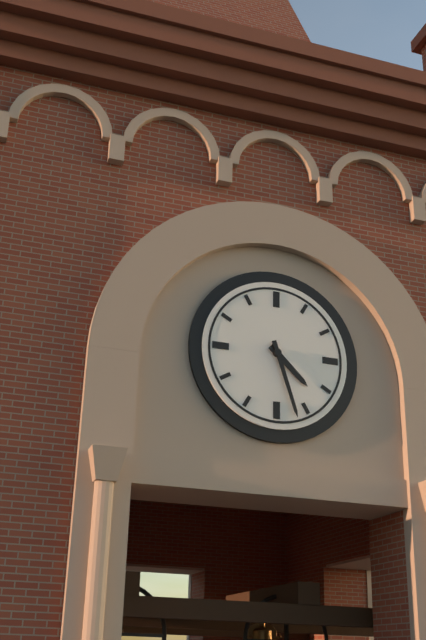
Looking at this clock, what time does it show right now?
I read 4:27
